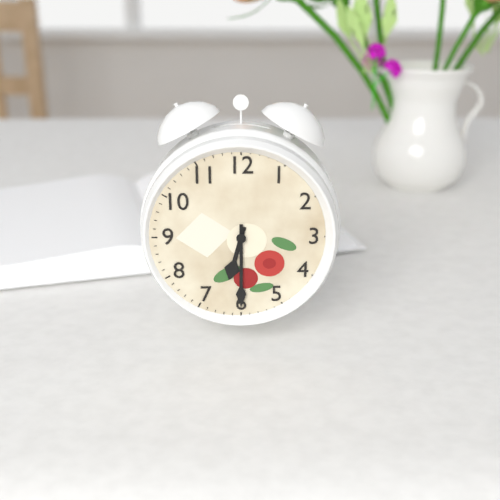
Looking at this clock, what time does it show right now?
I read 6:30
